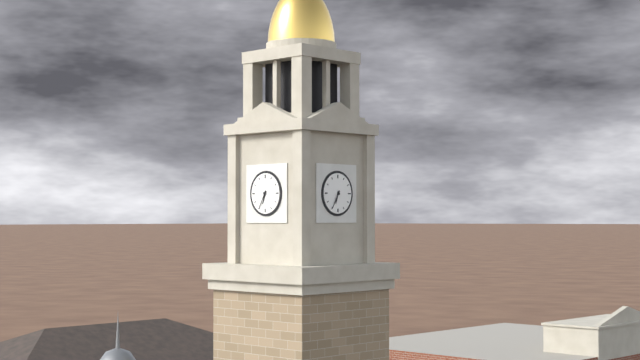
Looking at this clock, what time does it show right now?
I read 6:35
